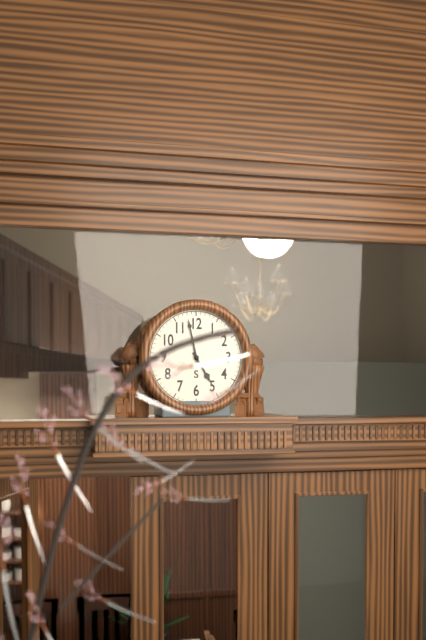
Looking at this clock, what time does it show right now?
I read 4:58
